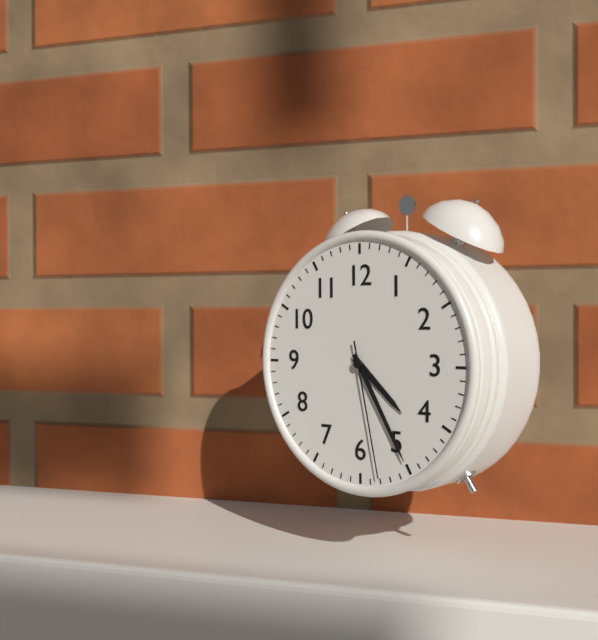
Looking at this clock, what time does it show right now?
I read 4:25:28
